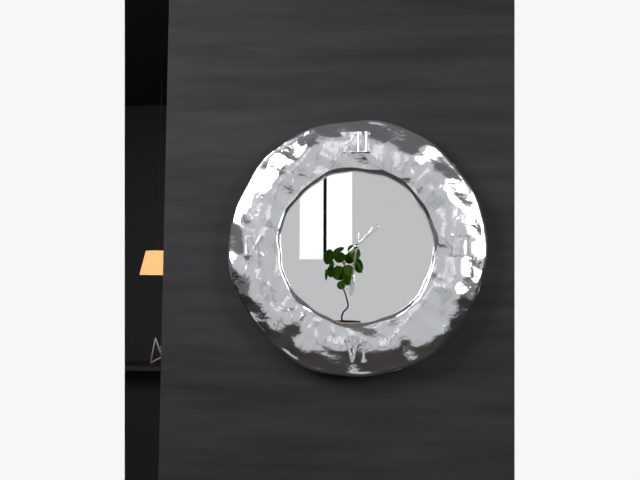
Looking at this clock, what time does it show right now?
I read 1:31
